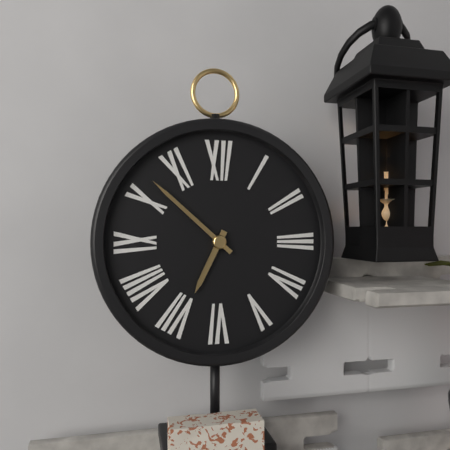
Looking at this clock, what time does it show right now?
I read 6:52
